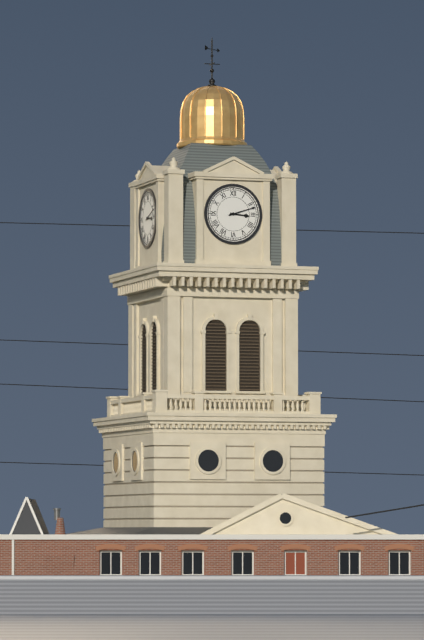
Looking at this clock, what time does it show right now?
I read 3:12
